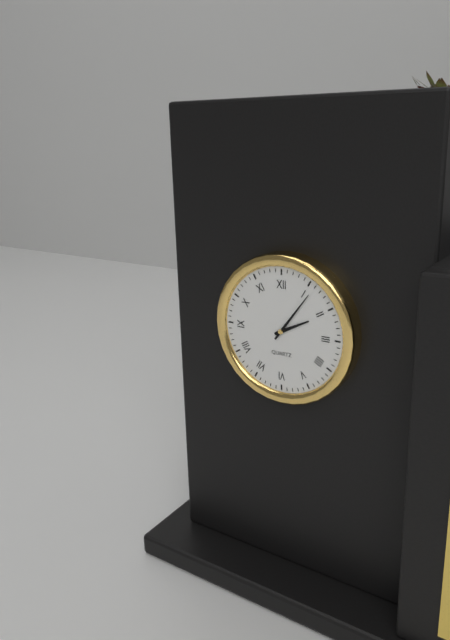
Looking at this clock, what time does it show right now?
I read 2:06
